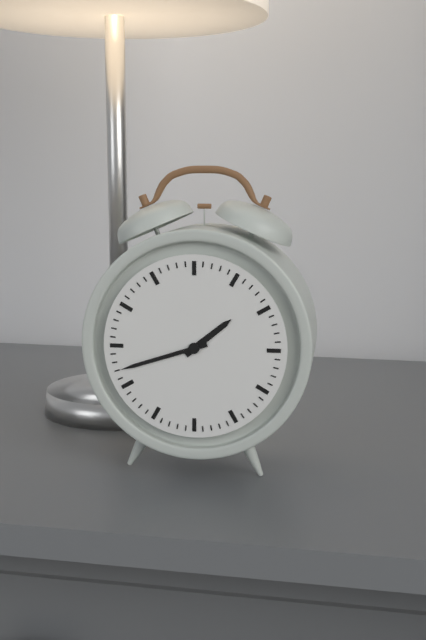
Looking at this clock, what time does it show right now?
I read 1:42
